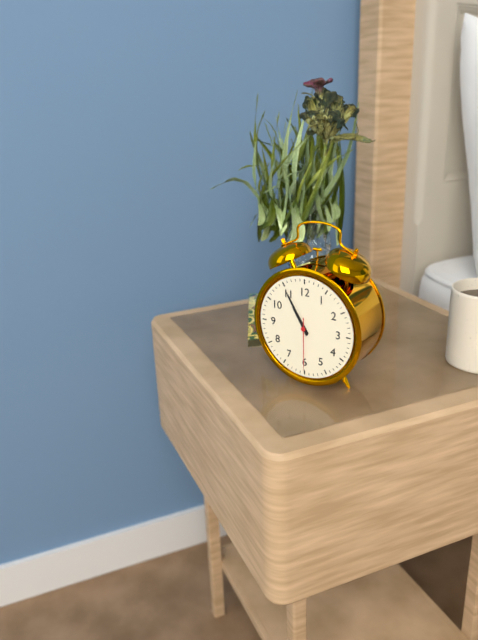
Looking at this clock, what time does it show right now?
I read 10:55:30
